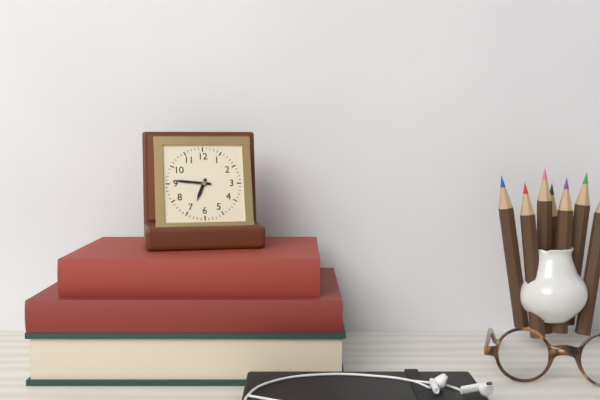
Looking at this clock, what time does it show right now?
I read 6:46
